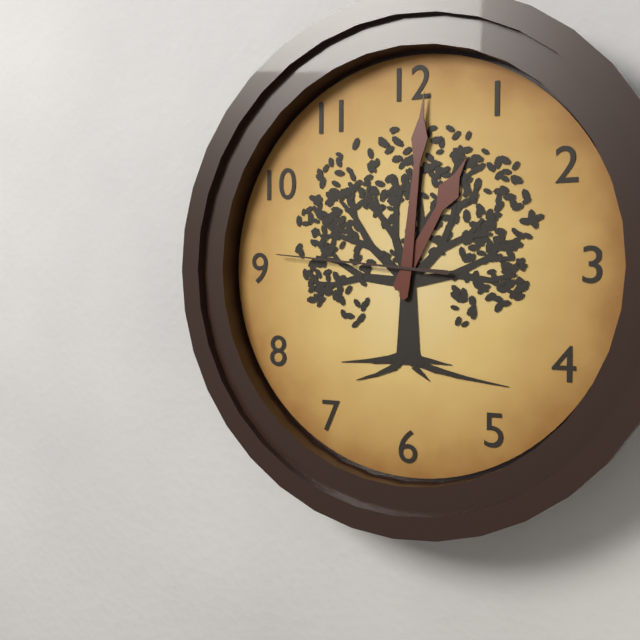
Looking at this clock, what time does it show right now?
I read 1:01:46
